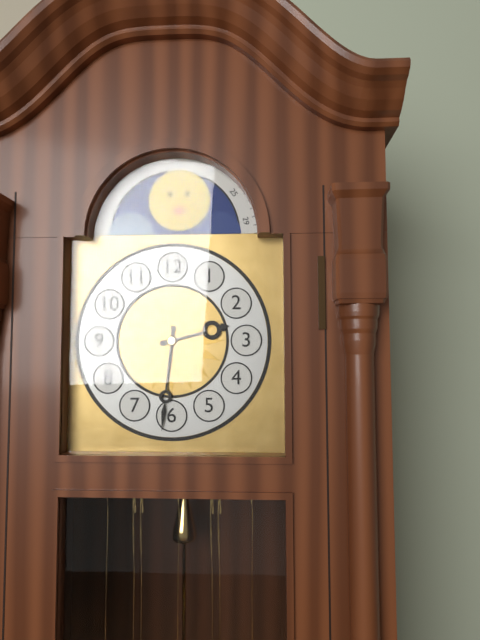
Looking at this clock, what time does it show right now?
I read 2:31
